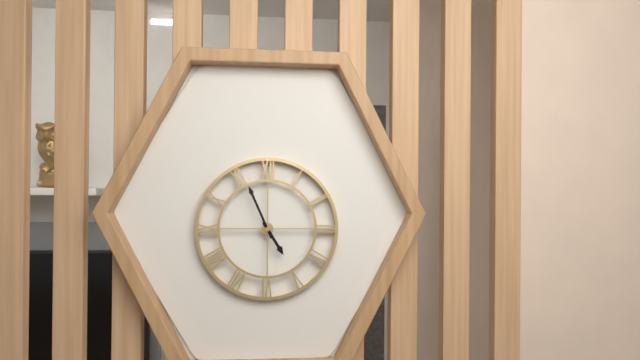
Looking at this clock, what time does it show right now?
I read 4:56
